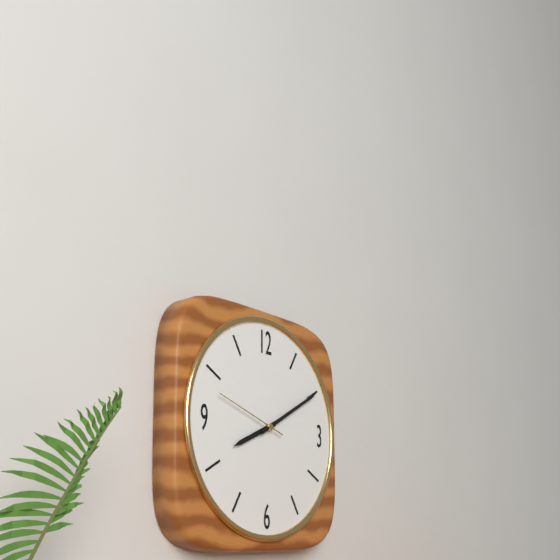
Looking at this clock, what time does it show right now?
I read 8:10:48
